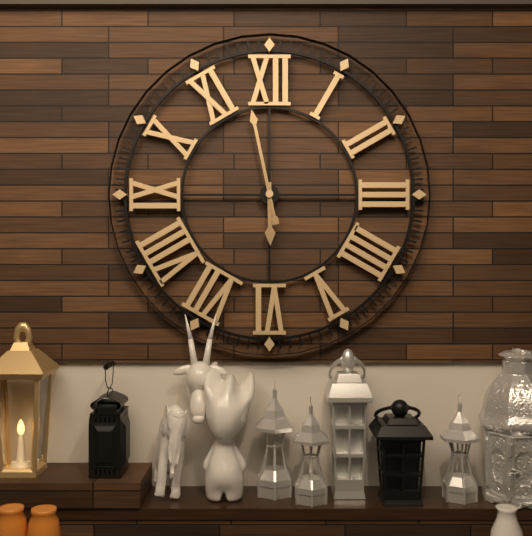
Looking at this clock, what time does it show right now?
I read 5:58
